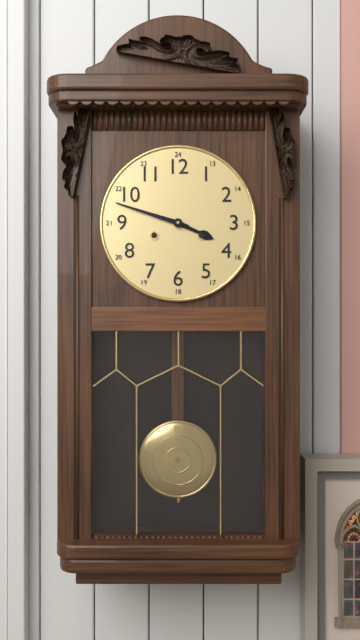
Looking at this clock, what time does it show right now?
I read 3:48
